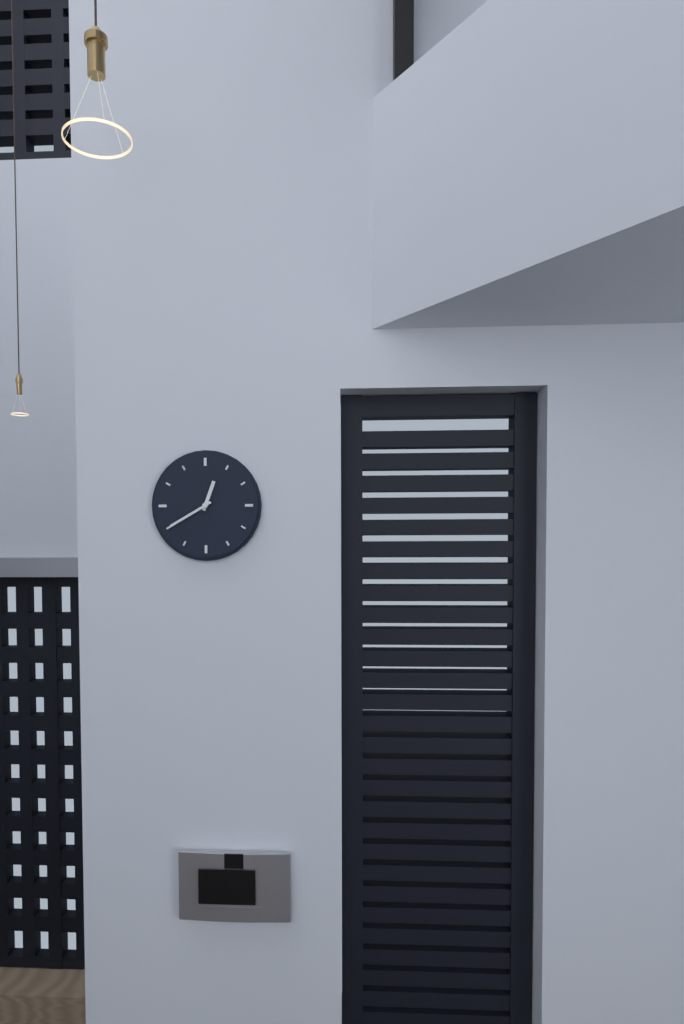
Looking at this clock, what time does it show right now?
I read 12:40
